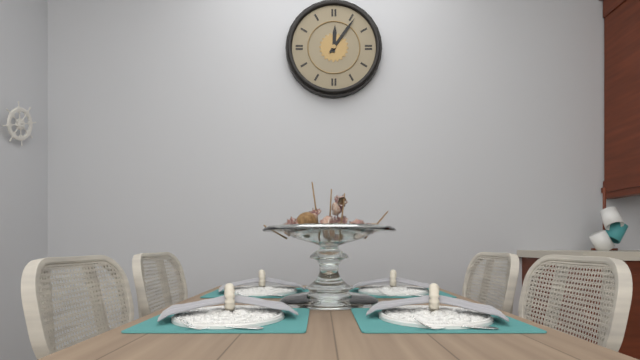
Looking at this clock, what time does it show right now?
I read 12:06
